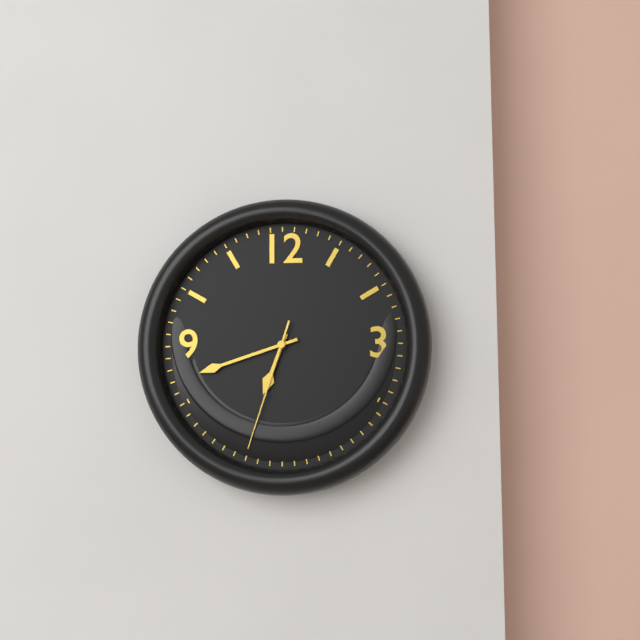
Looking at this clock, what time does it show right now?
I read 6:42:33
